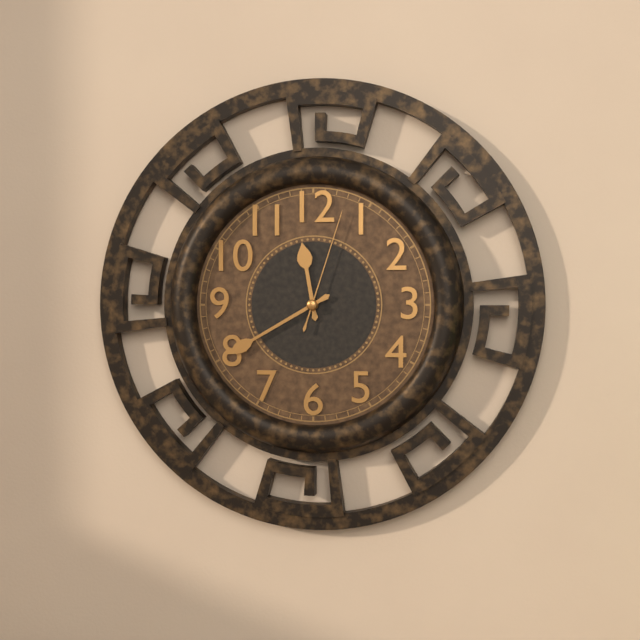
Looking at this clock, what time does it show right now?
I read 11:40:03
